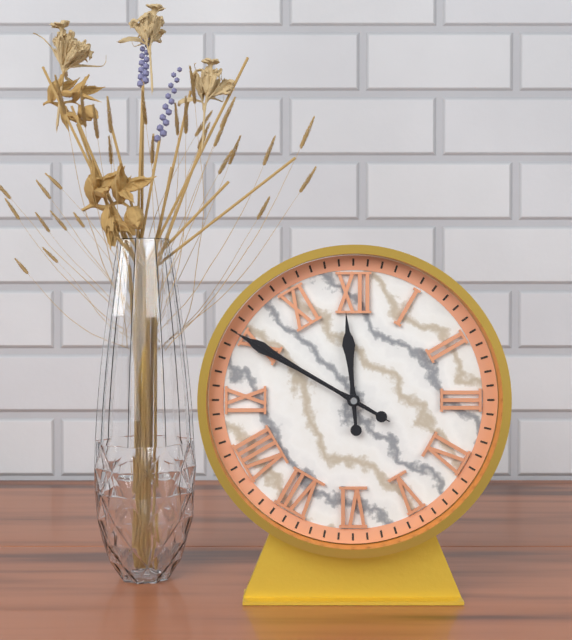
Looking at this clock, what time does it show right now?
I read 11:50:50
